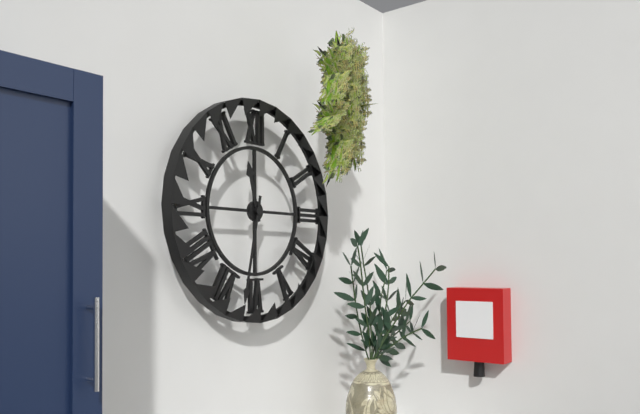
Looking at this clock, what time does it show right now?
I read 11:32
